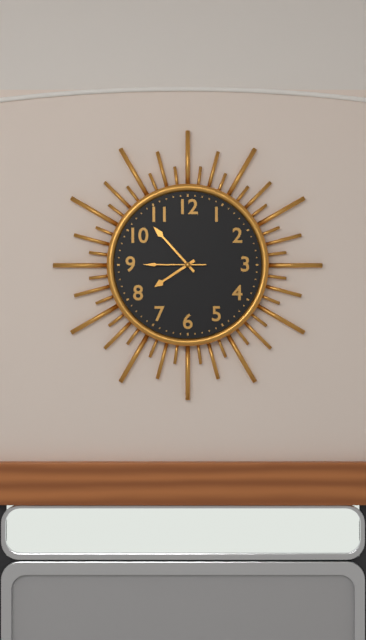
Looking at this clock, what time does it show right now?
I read 7:53:45
